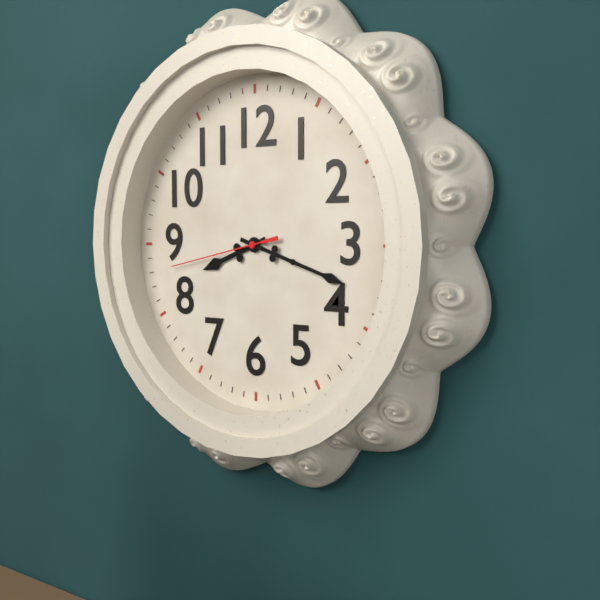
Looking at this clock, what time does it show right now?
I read 8:18:43
